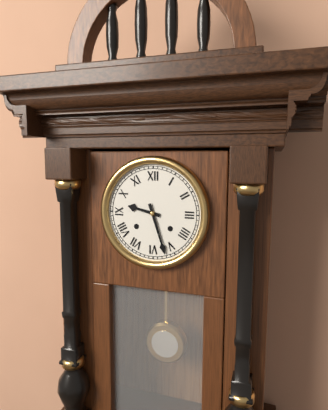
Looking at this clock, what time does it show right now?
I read 9:27
